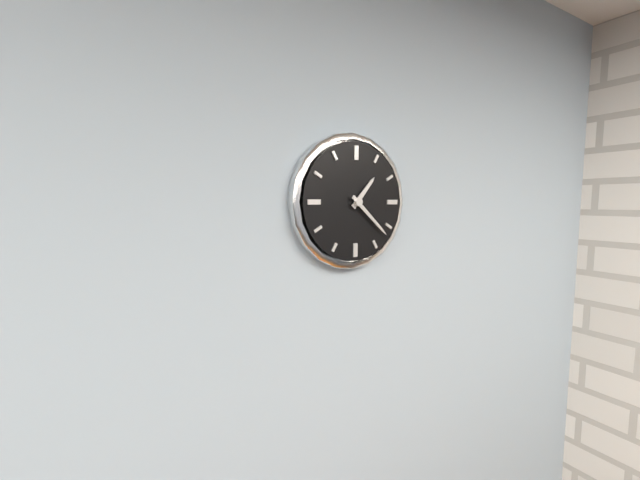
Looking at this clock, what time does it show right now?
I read 1:22
